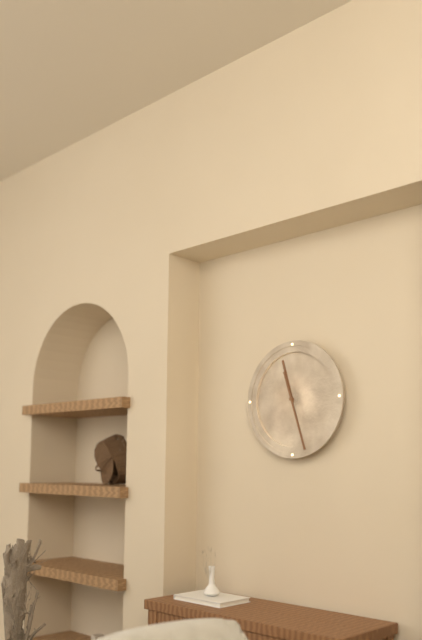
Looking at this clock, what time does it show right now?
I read 11:27
